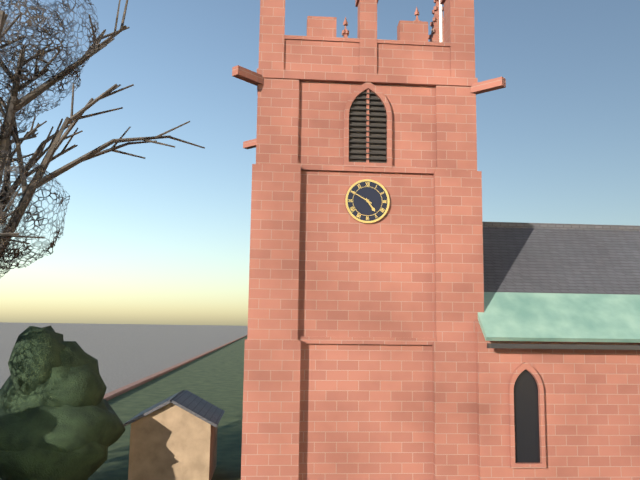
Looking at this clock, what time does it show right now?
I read 4:50
